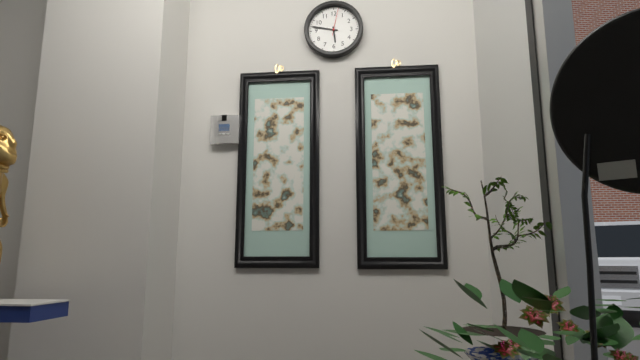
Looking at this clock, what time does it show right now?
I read 5:47
